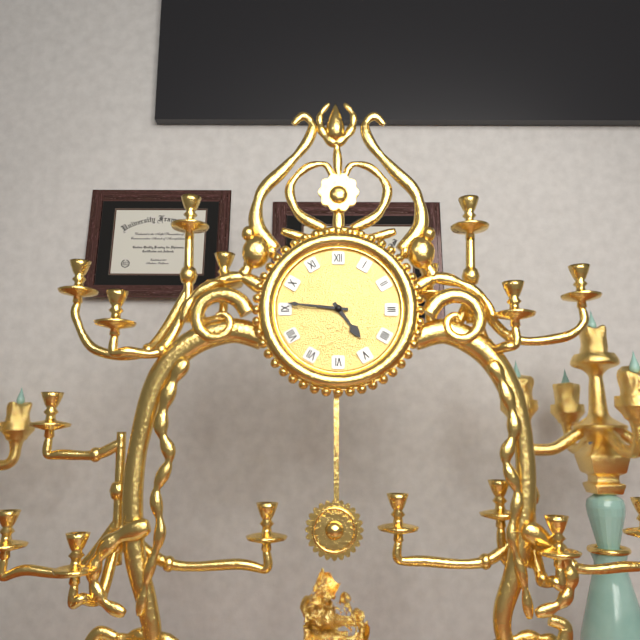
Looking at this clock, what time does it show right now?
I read 4:46
